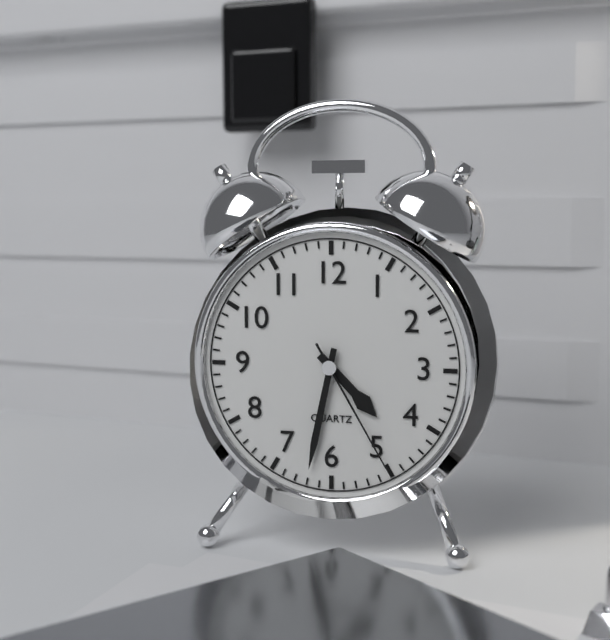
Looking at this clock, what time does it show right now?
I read 4:32:25
